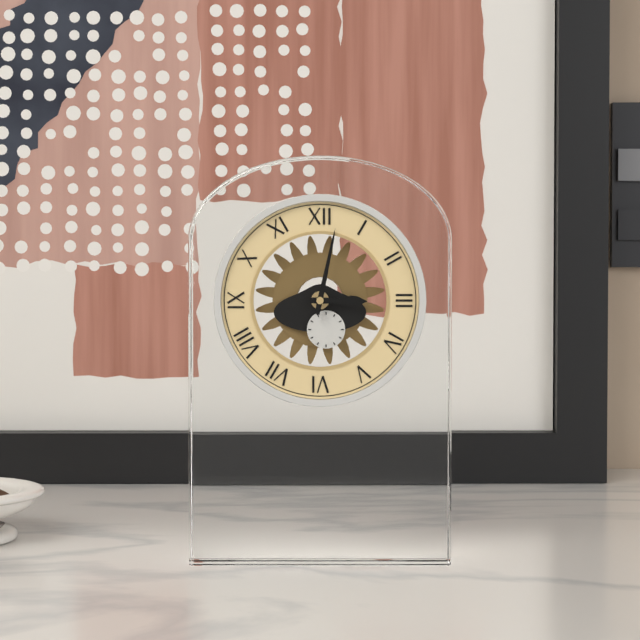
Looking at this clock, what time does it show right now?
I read 3:02
